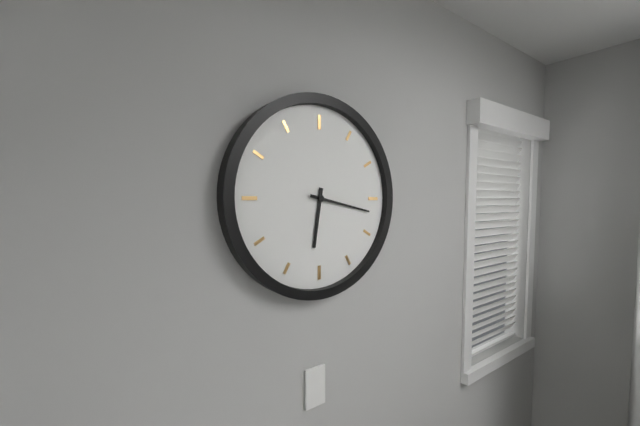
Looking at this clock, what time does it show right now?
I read 6:17
